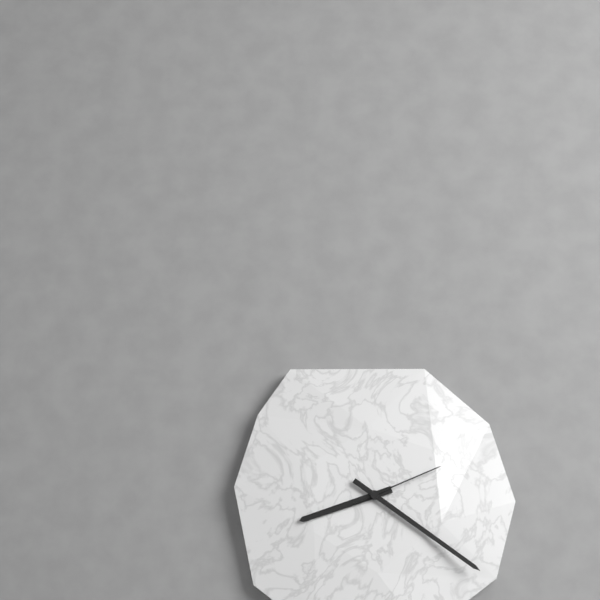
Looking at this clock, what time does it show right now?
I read 8:21:11
